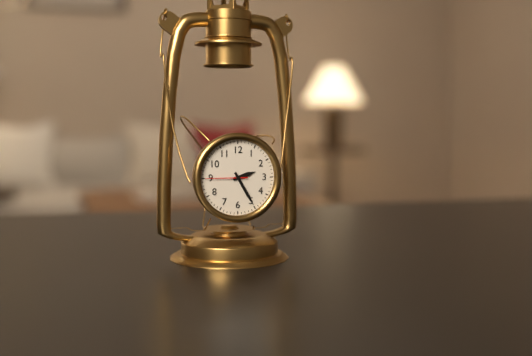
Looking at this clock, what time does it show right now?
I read 2:25
